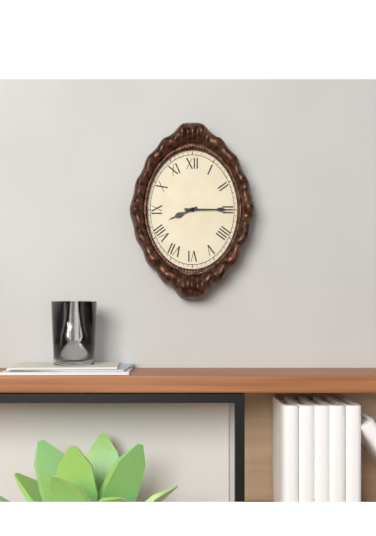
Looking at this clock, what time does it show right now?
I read 8:15
